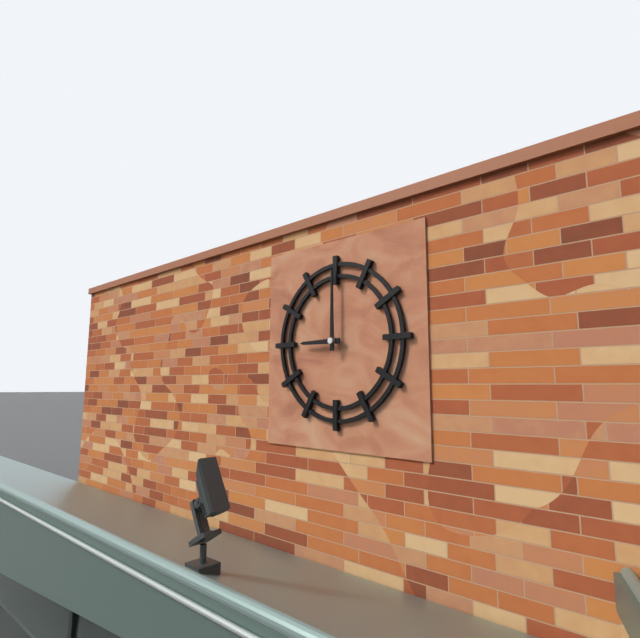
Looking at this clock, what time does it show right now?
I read 9:00
